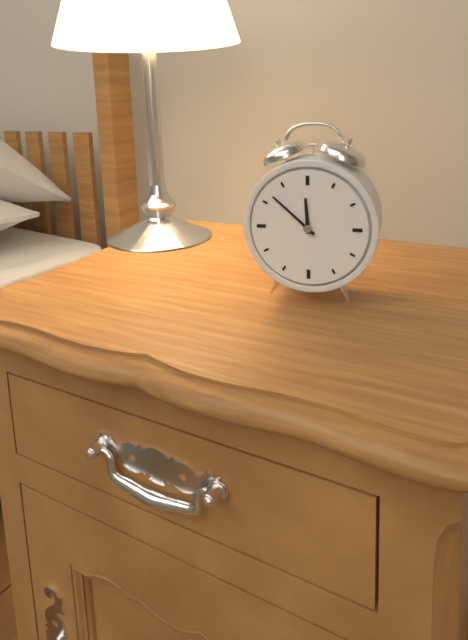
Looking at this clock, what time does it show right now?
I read 11:52
